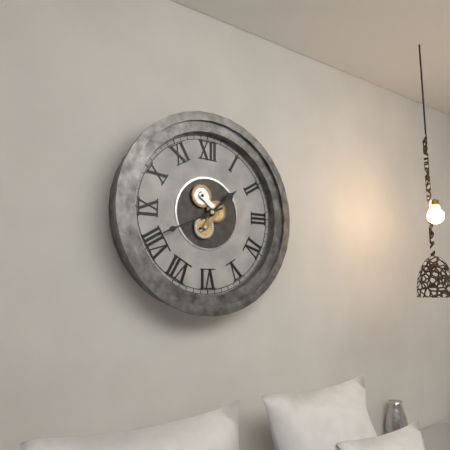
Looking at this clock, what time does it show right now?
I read 1:41
